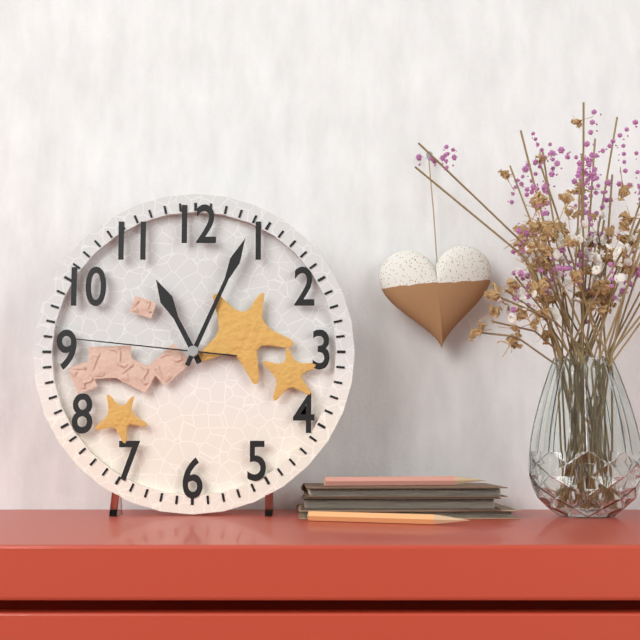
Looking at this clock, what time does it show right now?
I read 11:04:46
